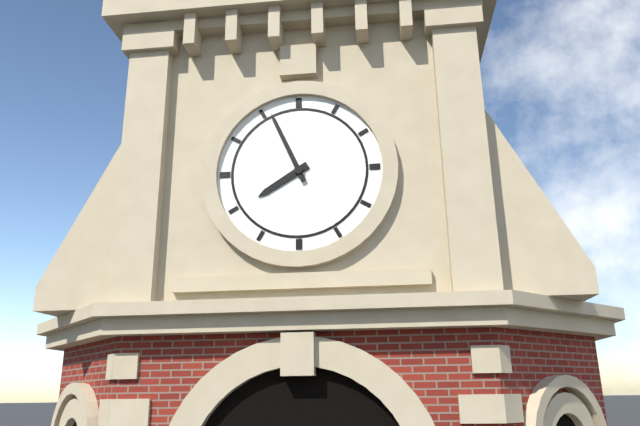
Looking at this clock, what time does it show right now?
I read 7:56
